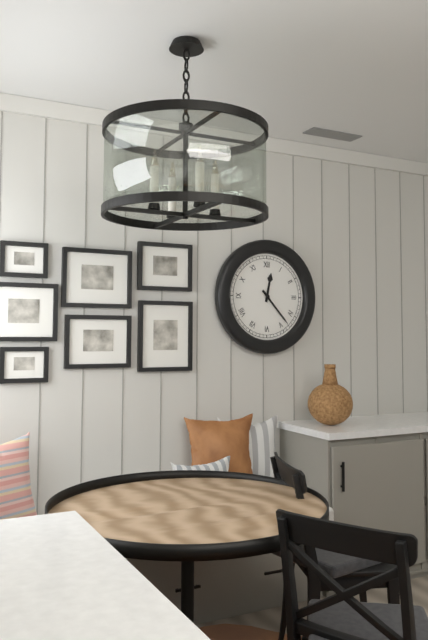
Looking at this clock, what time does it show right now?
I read 12:23
